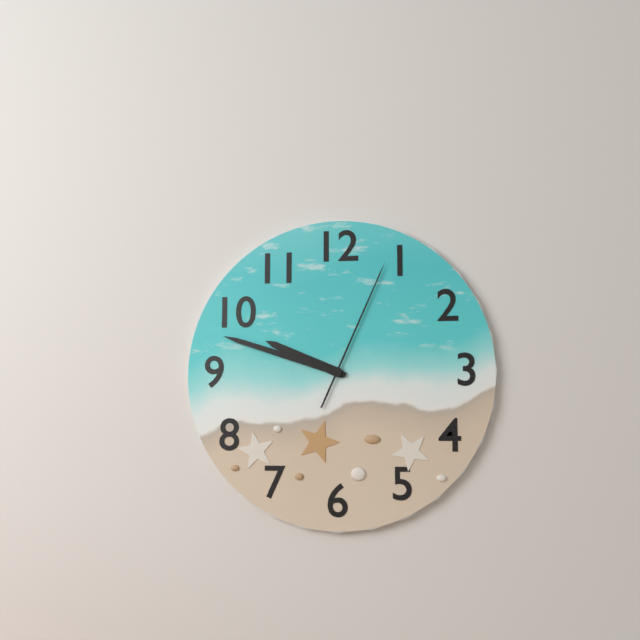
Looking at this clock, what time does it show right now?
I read 9:48:04
